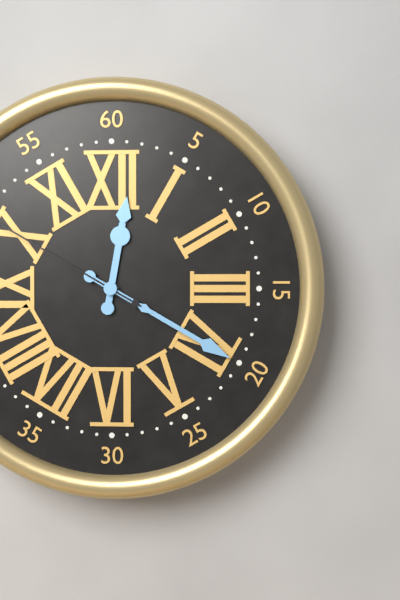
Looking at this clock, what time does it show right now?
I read 12:20
